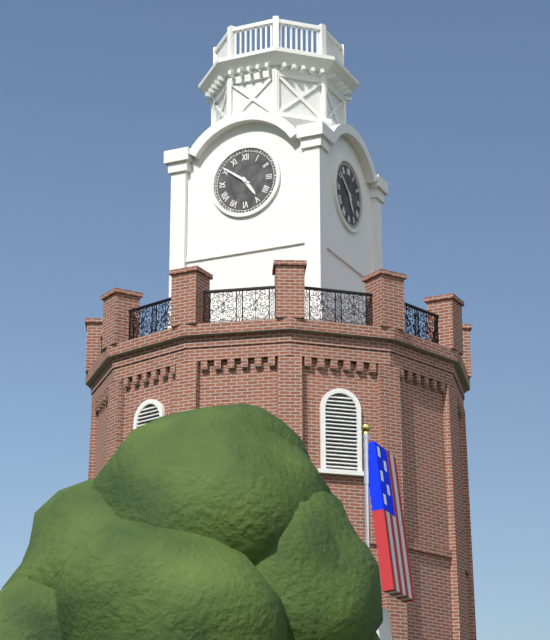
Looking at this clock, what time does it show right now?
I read 4:51
